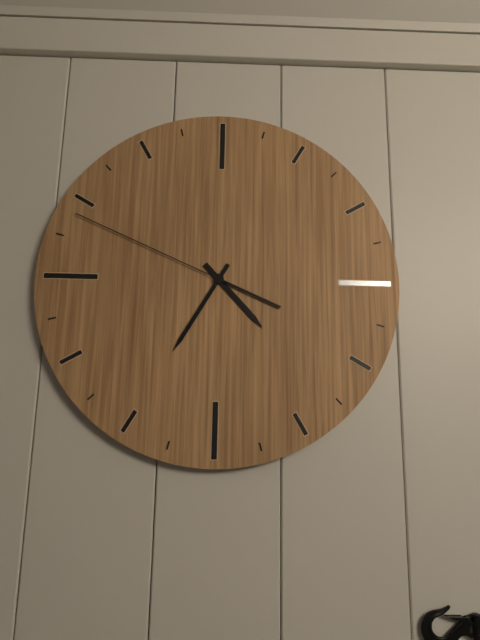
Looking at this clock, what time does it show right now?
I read 4:35:49
